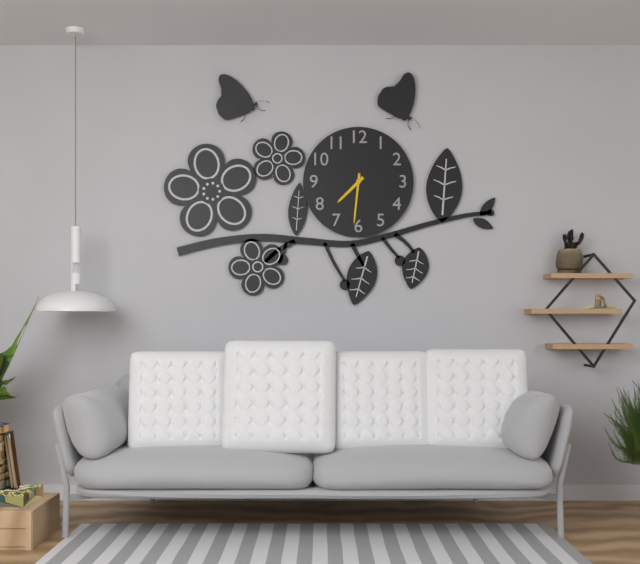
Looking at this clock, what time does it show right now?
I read 7:31
